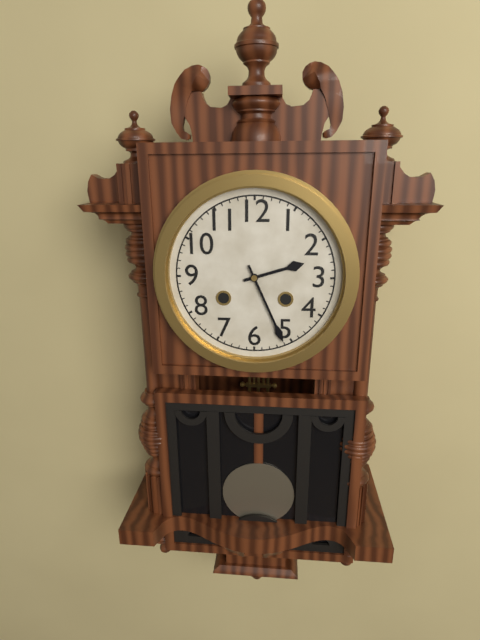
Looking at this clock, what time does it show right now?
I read 2:26
